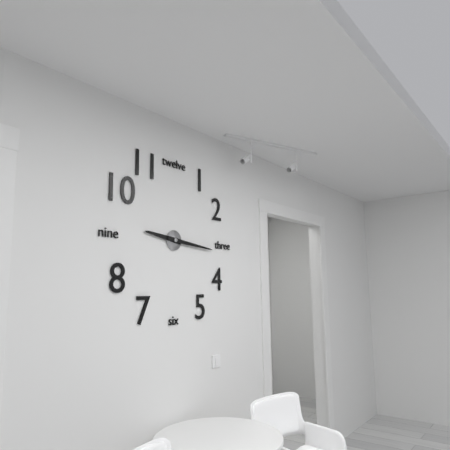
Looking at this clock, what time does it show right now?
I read 9:16
